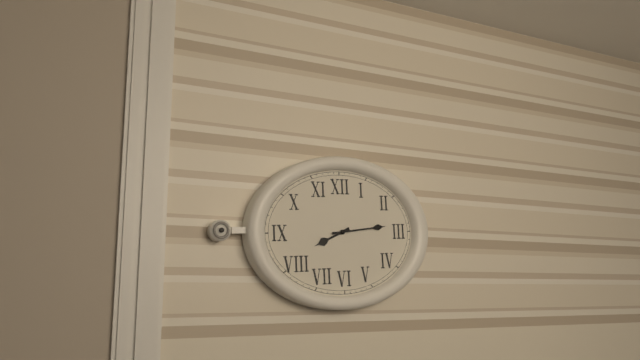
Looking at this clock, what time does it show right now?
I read 8:14
